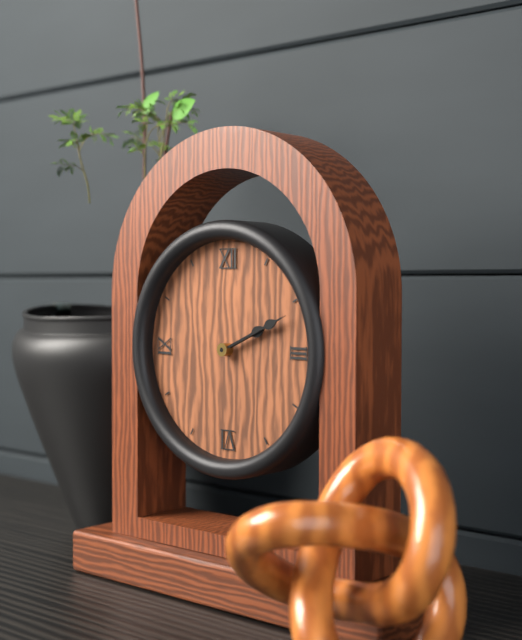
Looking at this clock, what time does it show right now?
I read 2:11
